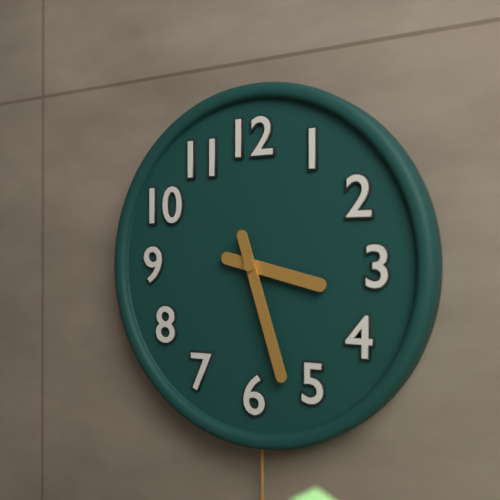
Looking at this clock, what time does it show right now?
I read 3:27
